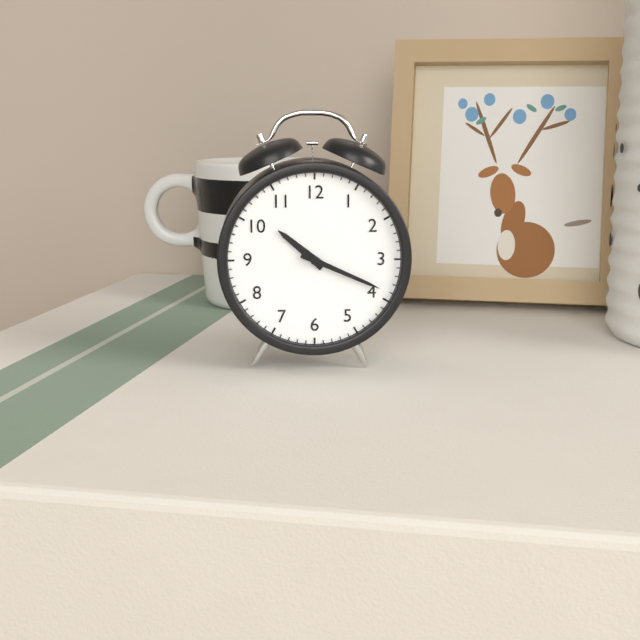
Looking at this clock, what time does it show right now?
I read 10:19
